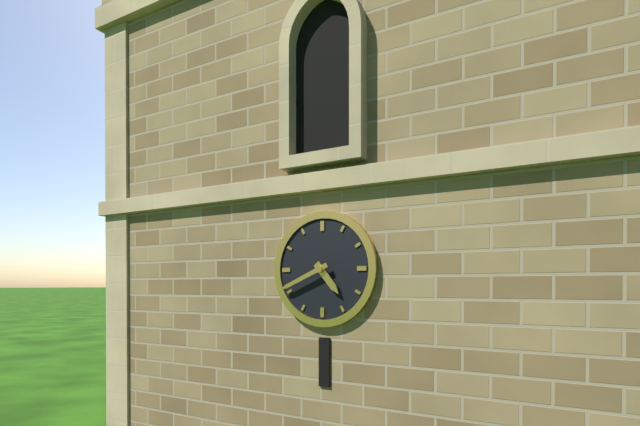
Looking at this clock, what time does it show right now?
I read 4:41
